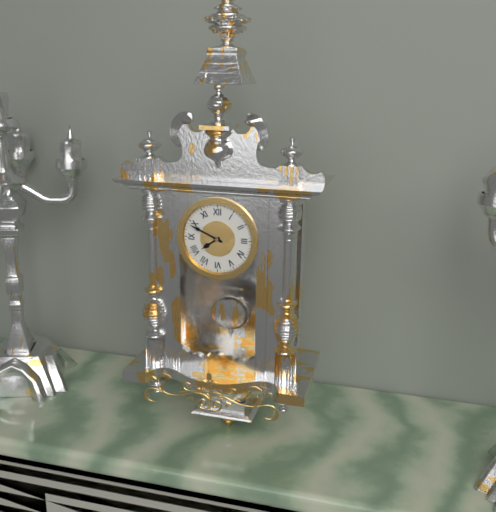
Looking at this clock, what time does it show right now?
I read 7:49
